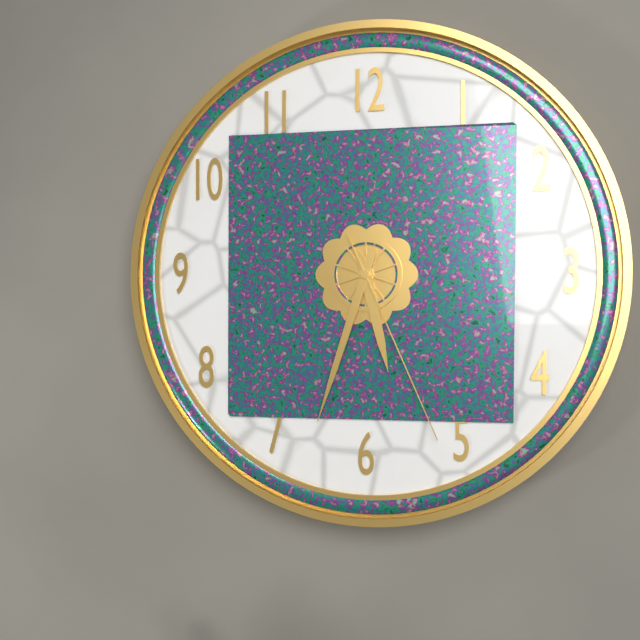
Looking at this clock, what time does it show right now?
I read 5:33:26
